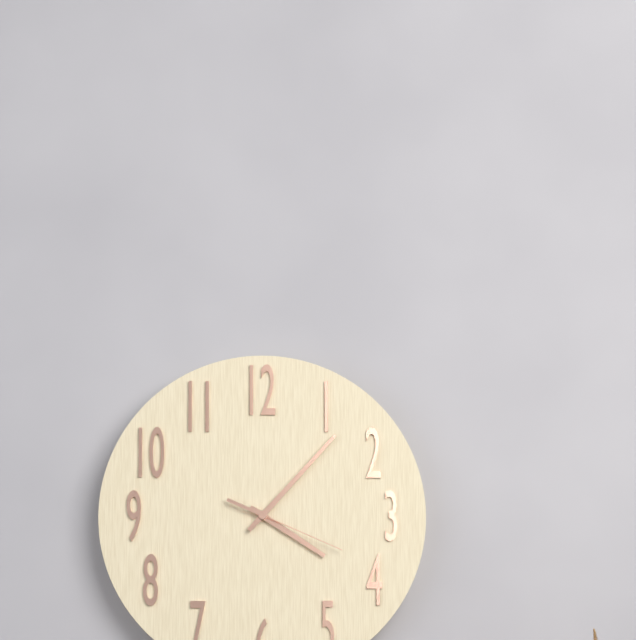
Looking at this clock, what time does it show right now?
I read 4:07:19
